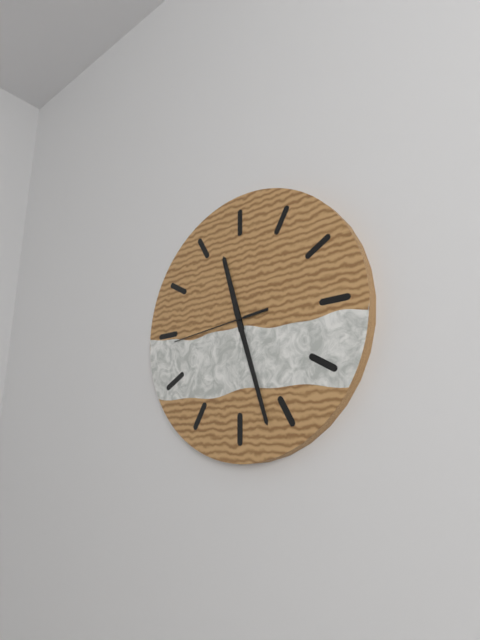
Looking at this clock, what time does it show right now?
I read 11:27:44
